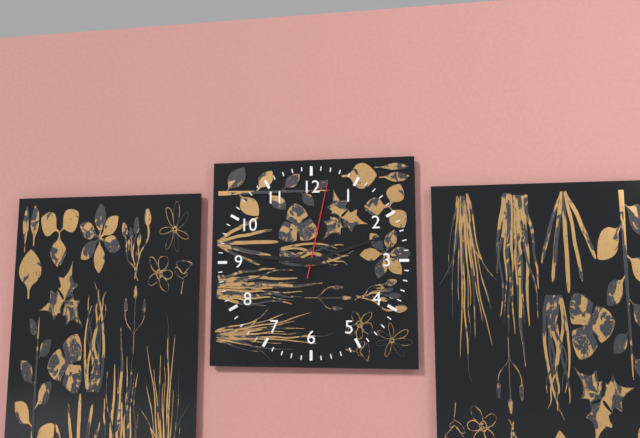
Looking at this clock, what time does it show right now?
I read 9:12:02
